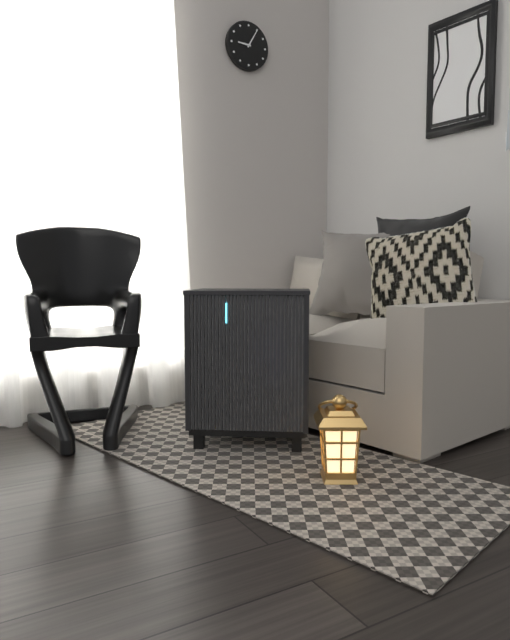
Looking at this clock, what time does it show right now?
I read 9:05
